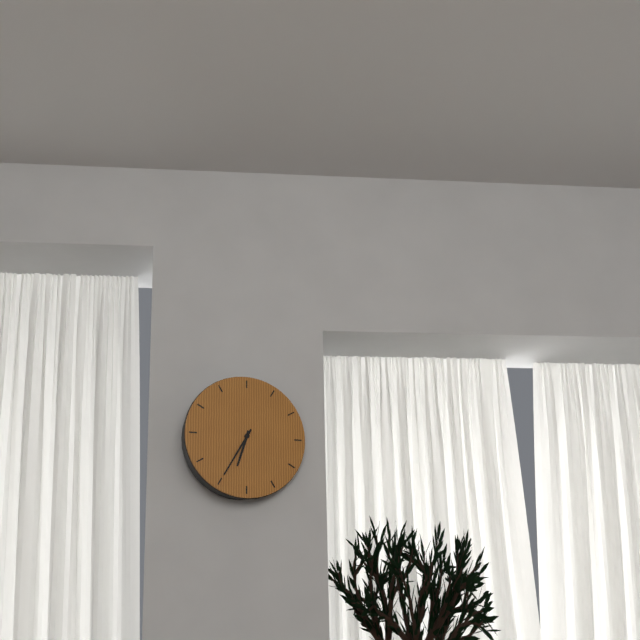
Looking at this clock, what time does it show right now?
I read 6:35
